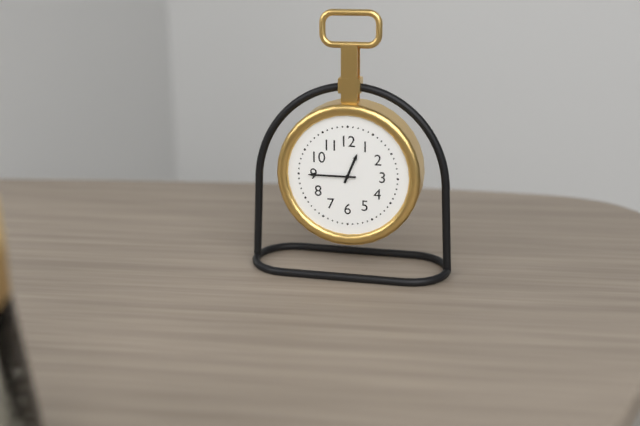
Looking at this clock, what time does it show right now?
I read 12:45
